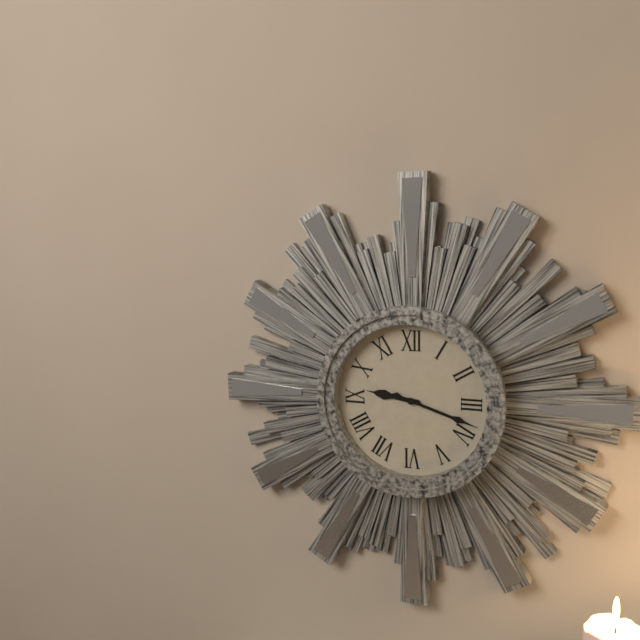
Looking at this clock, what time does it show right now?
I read 9:18
